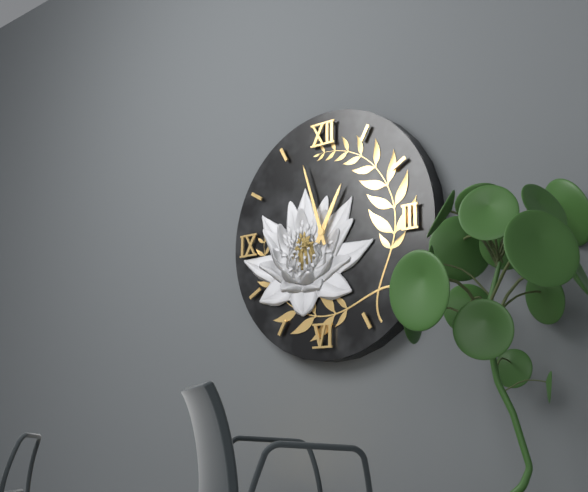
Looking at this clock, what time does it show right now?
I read 12:57
